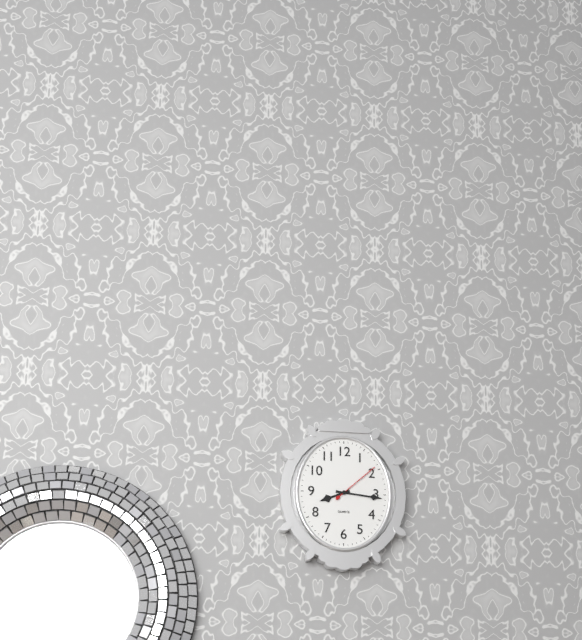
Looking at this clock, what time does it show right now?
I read 8:16
